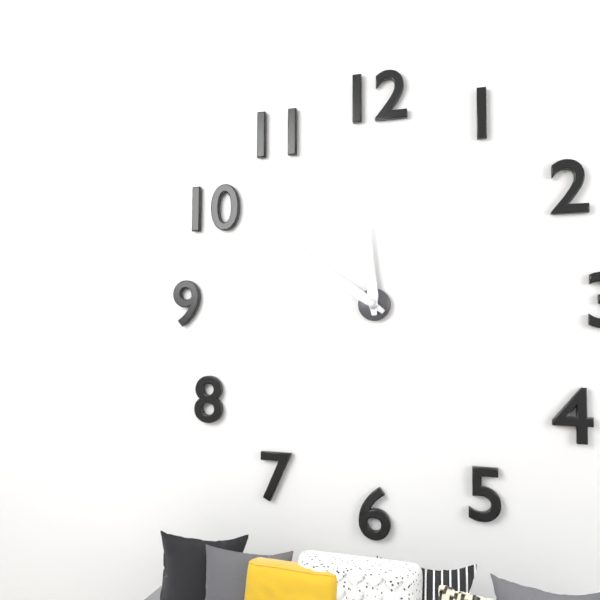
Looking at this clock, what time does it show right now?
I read 11:51
